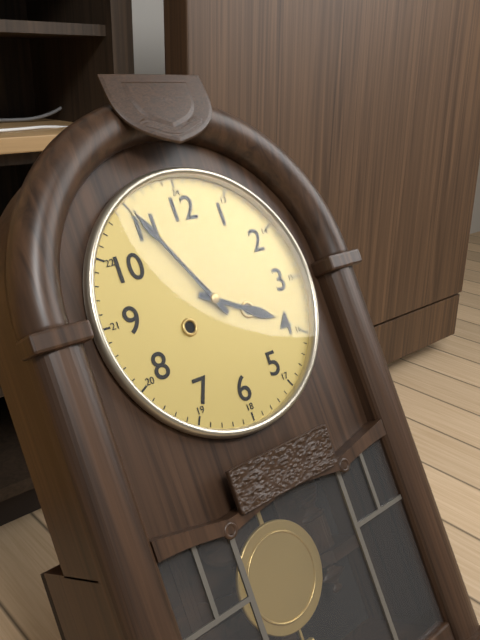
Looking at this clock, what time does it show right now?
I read 3:55
